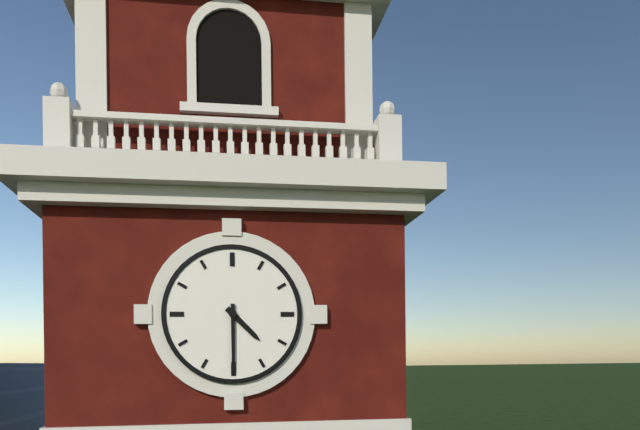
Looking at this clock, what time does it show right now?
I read 4:30
